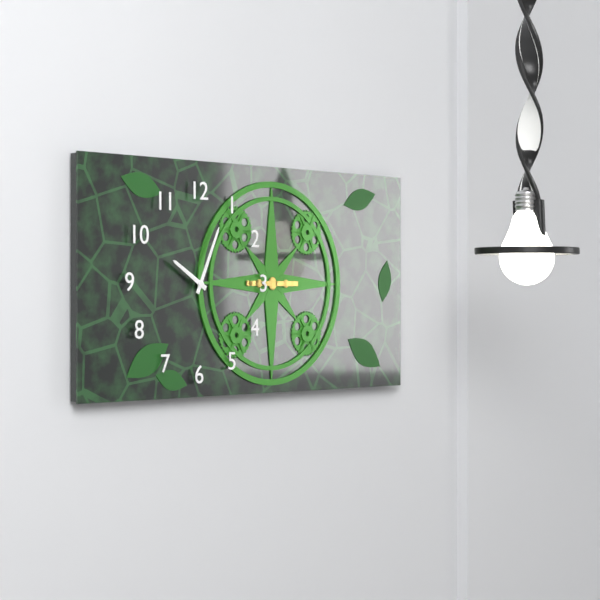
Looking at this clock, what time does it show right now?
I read 10:04
